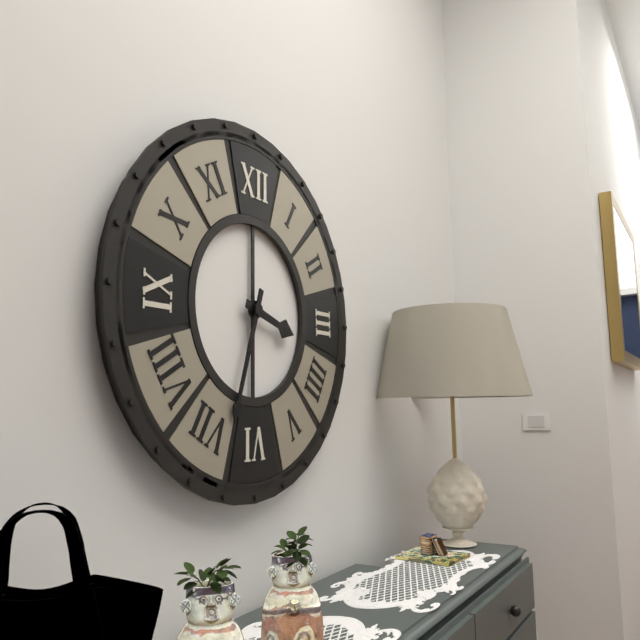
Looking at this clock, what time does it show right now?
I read 3:33
